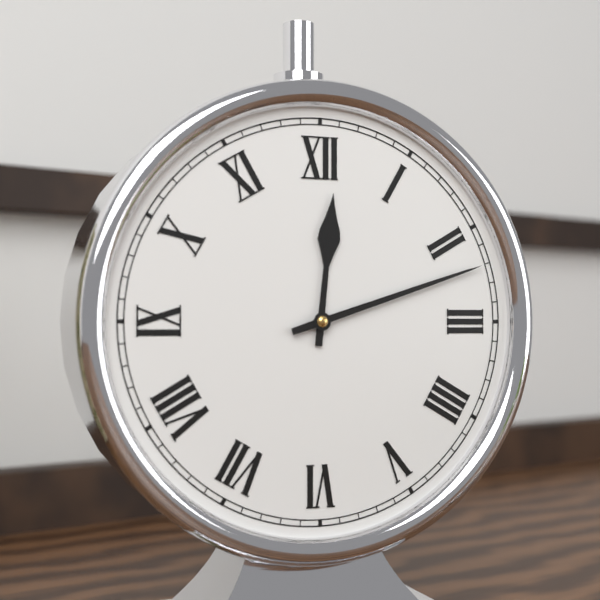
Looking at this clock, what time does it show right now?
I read 12:12
